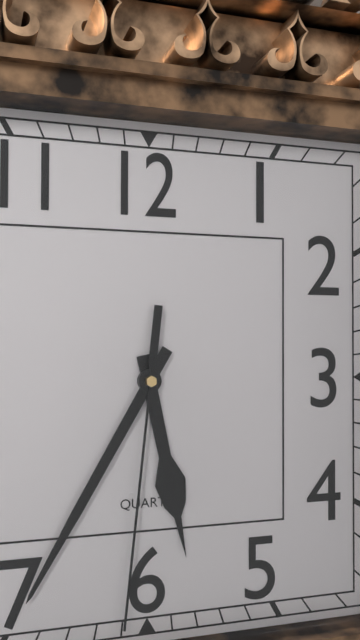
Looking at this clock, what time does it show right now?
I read 5:35:31
